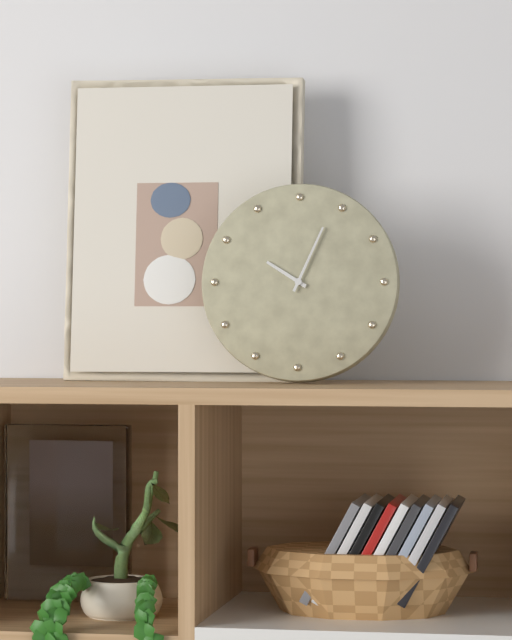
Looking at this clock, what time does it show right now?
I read 10:04
